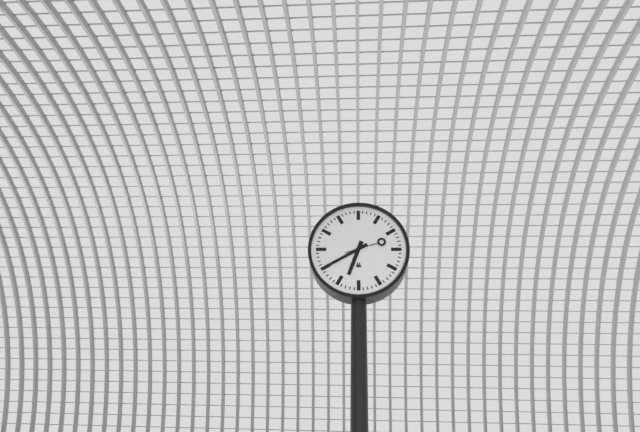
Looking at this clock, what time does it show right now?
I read 6:40
